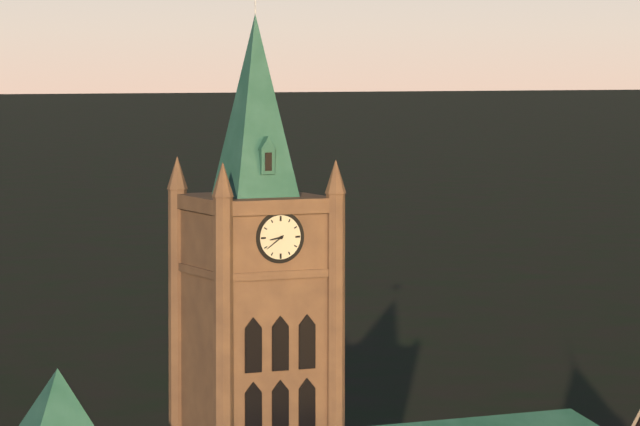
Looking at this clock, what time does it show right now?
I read 8:39
